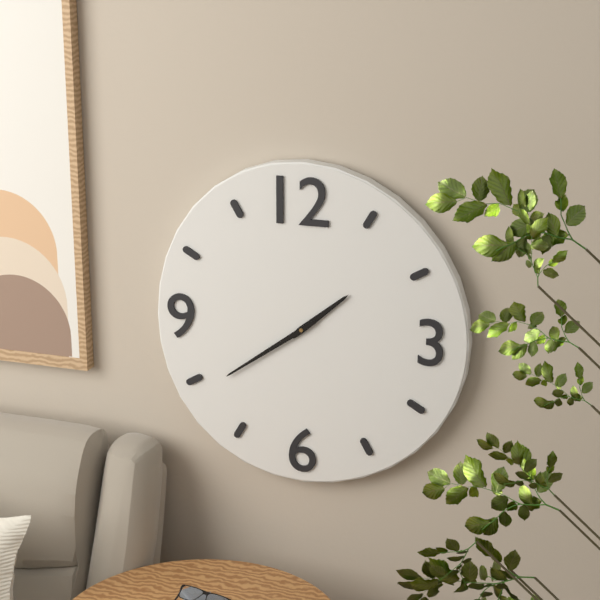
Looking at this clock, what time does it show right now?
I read 1:39
